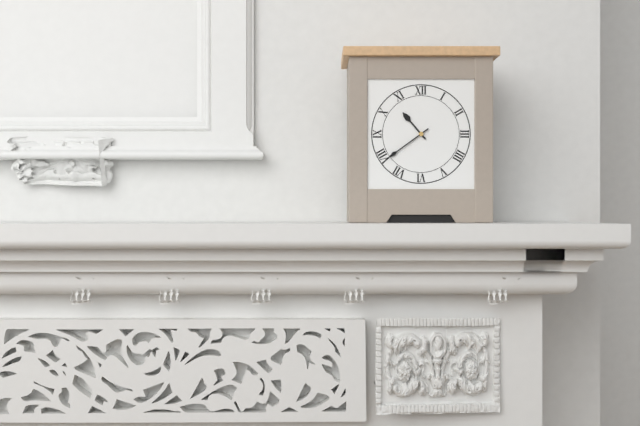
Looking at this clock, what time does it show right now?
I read 10:39
